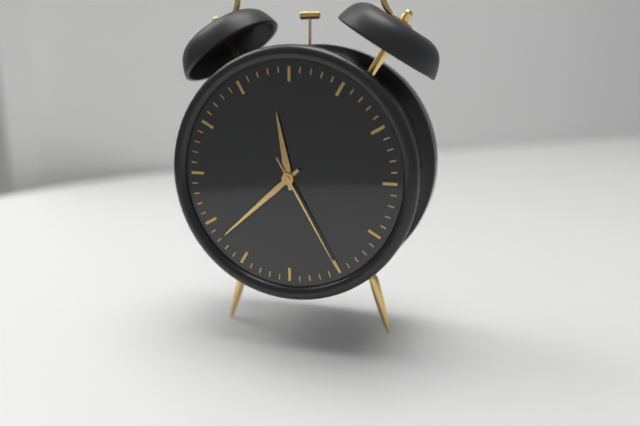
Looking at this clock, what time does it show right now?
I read 11:38:25
